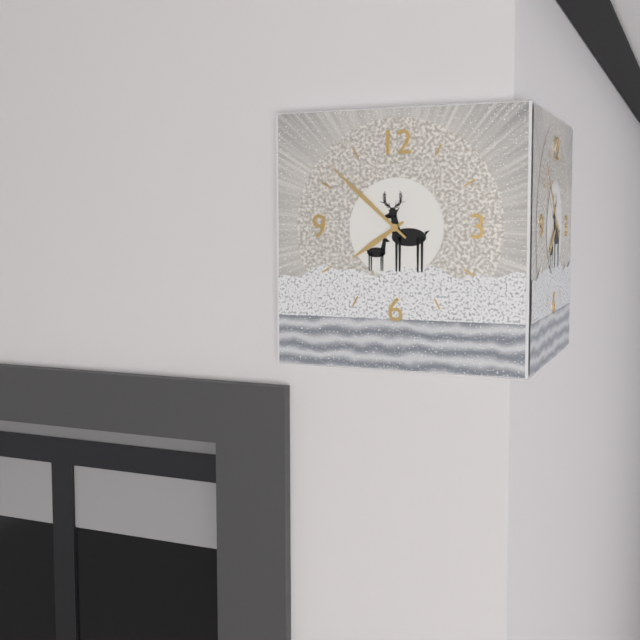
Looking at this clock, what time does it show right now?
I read 7:52
